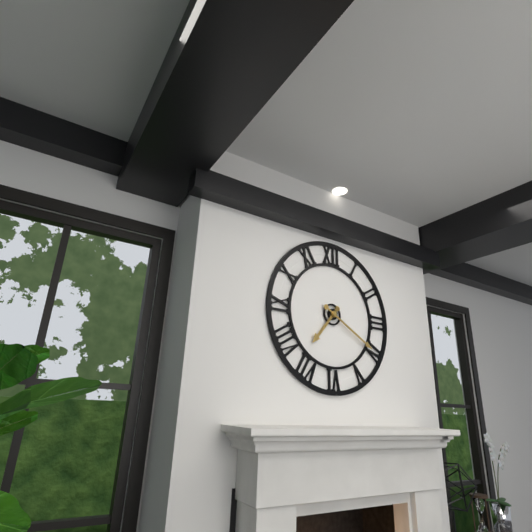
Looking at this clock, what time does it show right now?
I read 7:20
